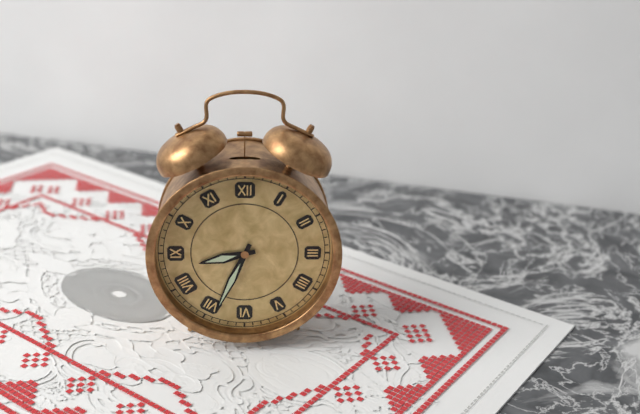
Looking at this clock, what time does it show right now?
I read 8:34
